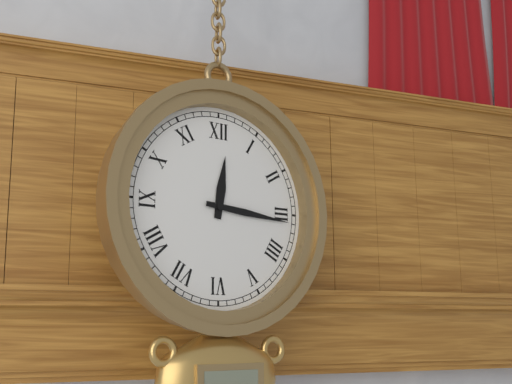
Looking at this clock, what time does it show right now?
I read 12:16
